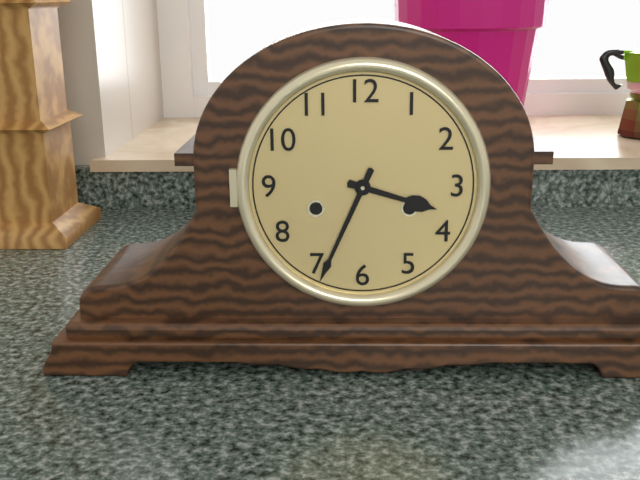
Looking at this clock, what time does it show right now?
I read 3:34
